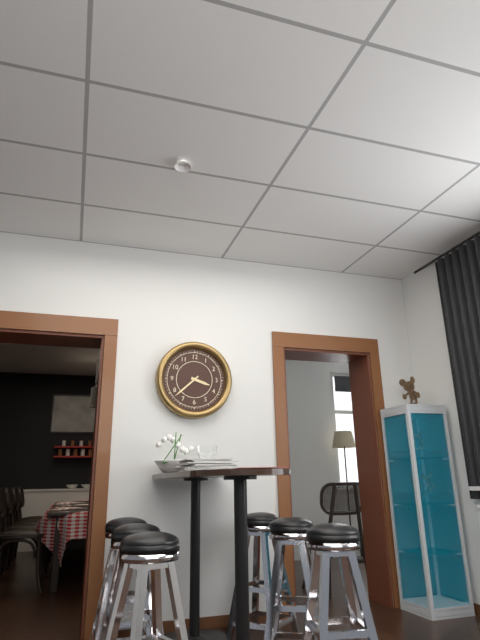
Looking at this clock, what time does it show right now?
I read 3:38
